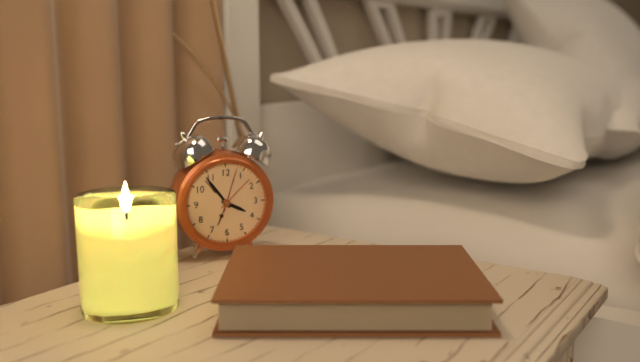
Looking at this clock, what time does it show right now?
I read 3:54
